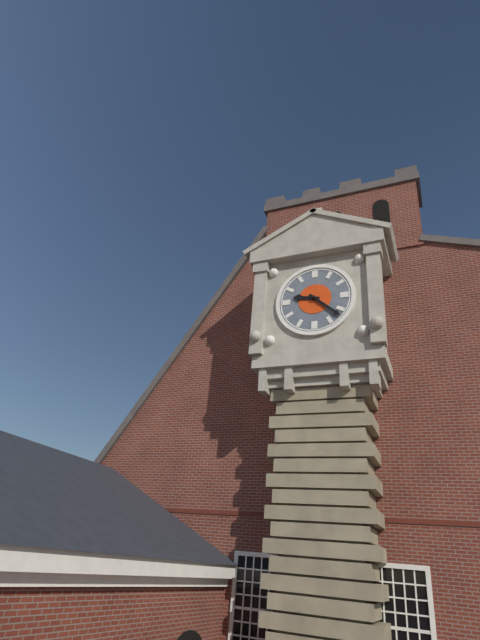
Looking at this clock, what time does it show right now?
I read 9:22
